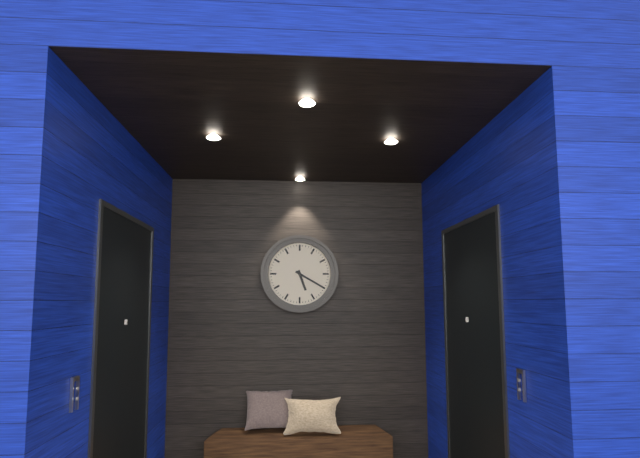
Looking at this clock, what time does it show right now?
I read 5:20
